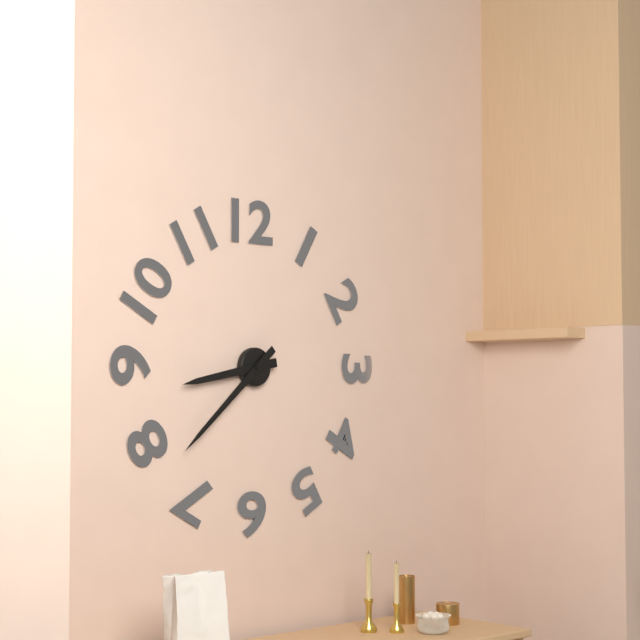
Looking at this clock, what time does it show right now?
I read 8:38
